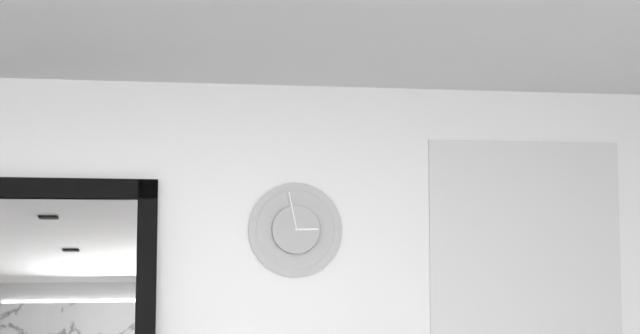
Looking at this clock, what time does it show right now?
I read 2:58
